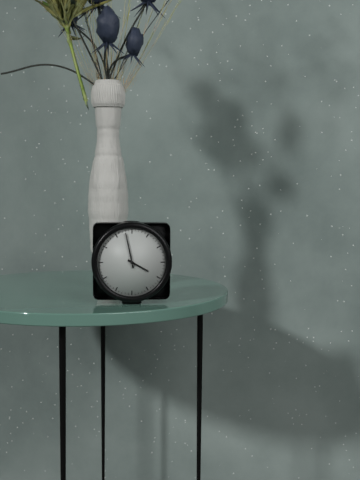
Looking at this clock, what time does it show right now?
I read 3:58
